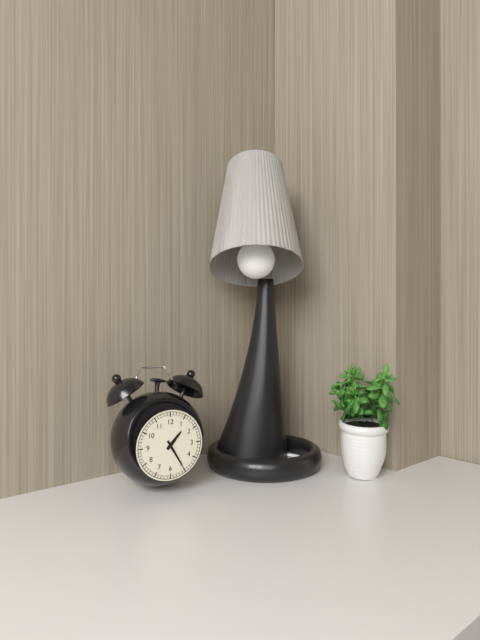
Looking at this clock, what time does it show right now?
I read 1:25
